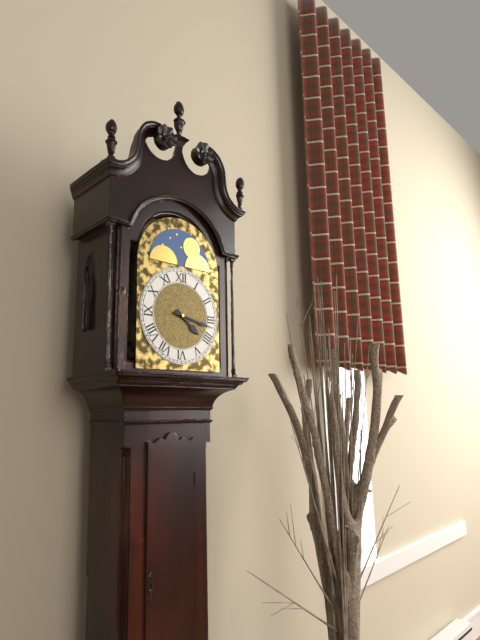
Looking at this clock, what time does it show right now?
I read 4:17
